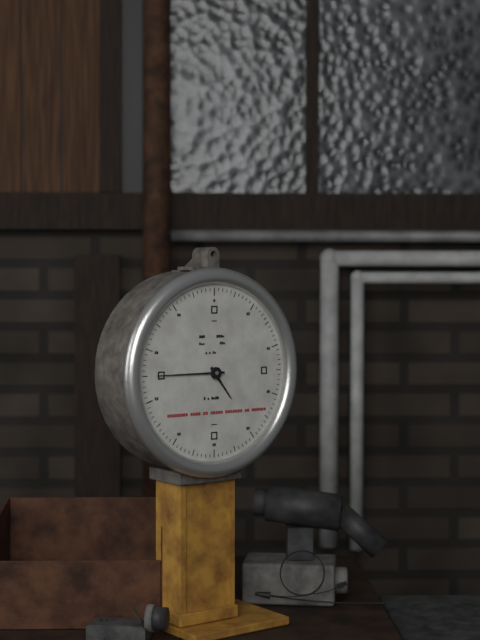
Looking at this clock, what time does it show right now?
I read 4:45
